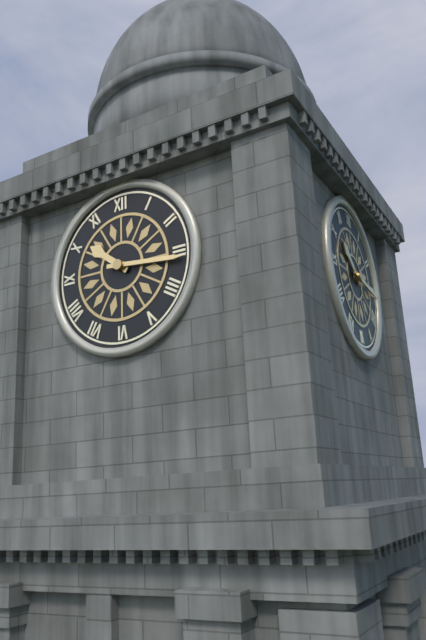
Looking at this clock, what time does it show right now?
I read 10:16
